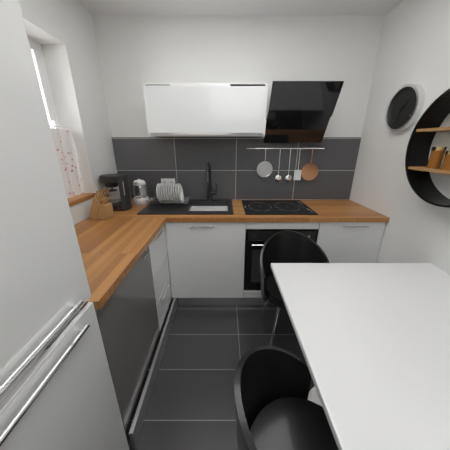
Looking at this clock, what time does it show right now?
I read 1:34
